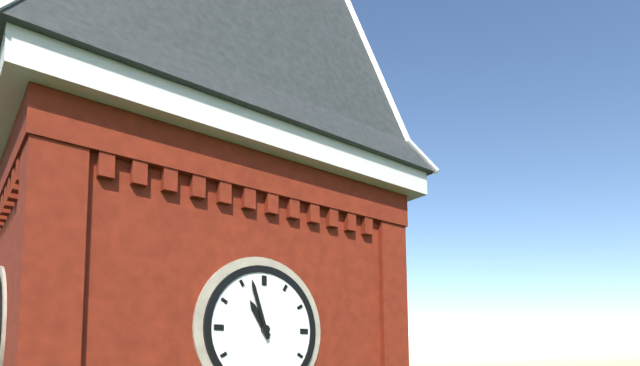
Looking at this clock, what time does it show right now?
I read 10:57
